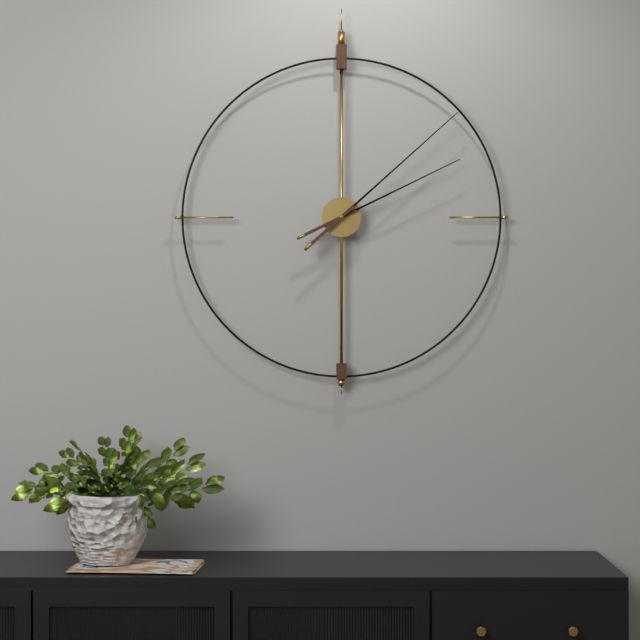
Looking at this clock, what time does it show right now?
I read 2:08
